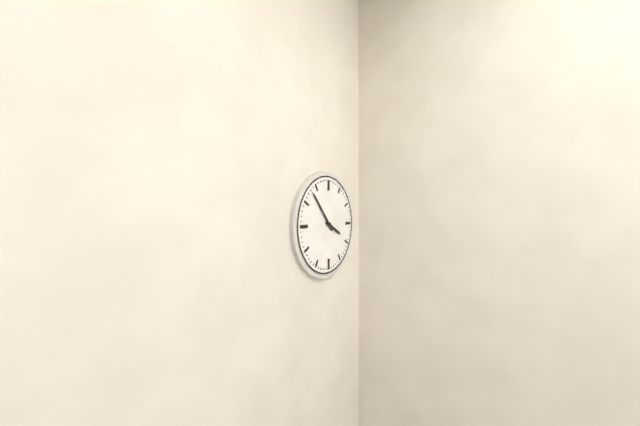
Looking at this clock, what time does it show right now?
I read 3:53
